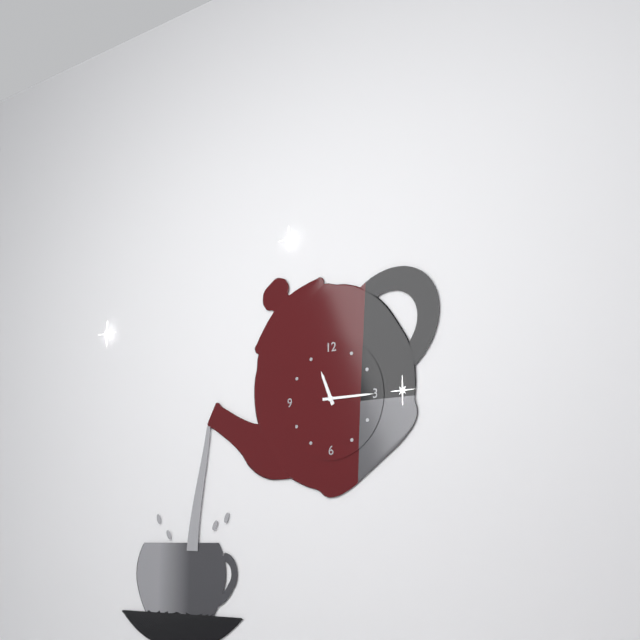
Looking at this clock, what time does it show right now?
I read 11:15
